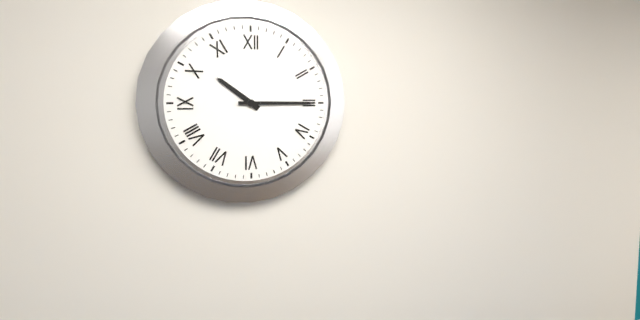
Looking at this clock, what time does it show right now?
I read 10:15
